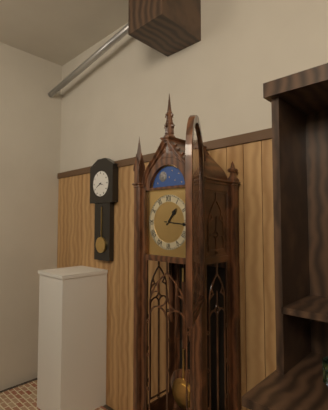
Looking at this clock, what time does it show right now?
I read 1:16
